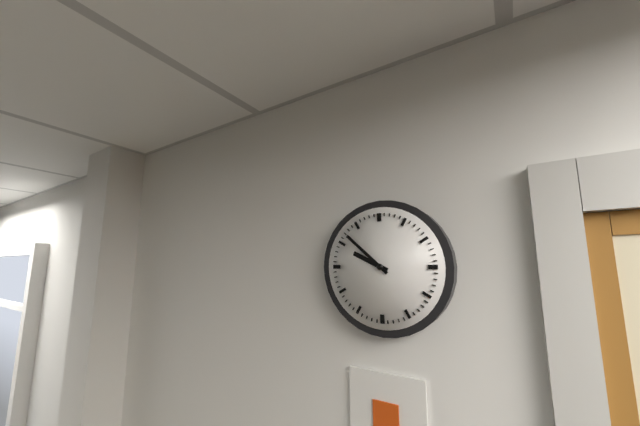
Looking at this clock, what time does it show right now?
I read 9:52
